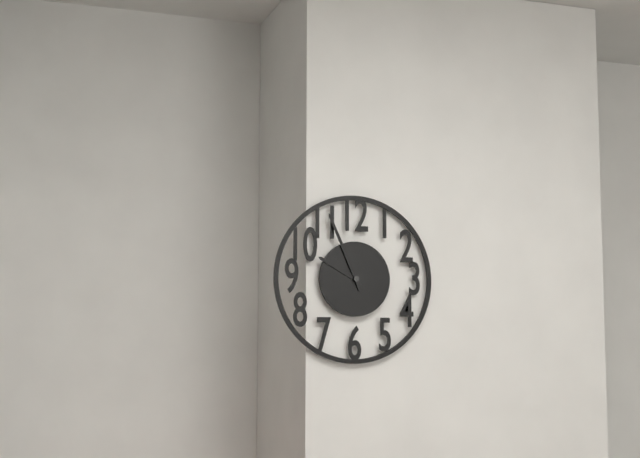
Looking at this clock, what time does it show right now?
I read 9:56
